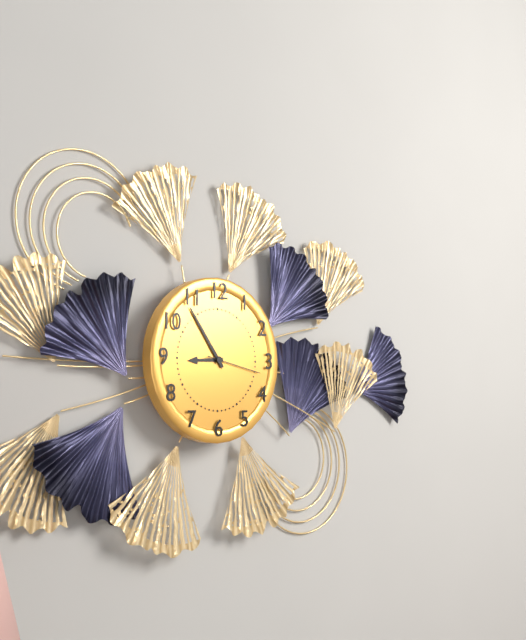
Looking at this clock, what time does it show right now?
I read 8:54:17
